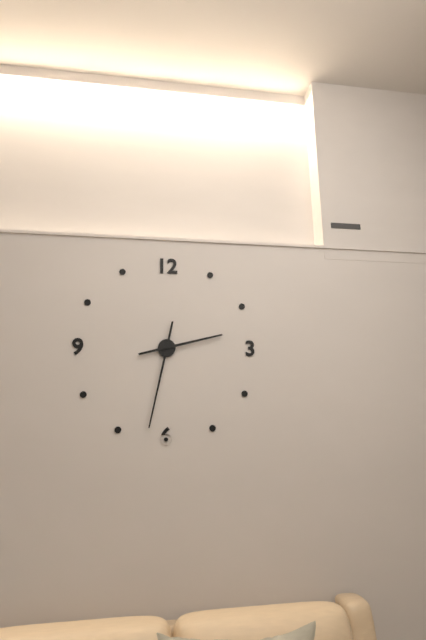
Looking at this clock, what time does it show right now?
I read 2:32
